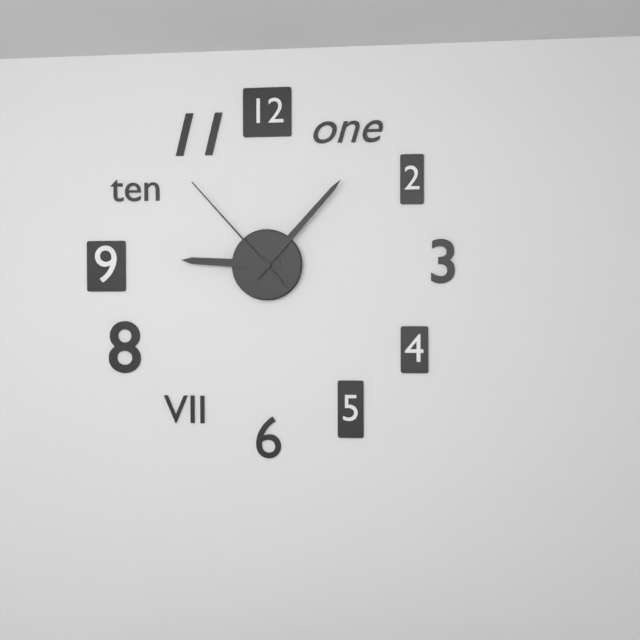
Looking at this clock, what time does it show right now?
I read 9:07:53
